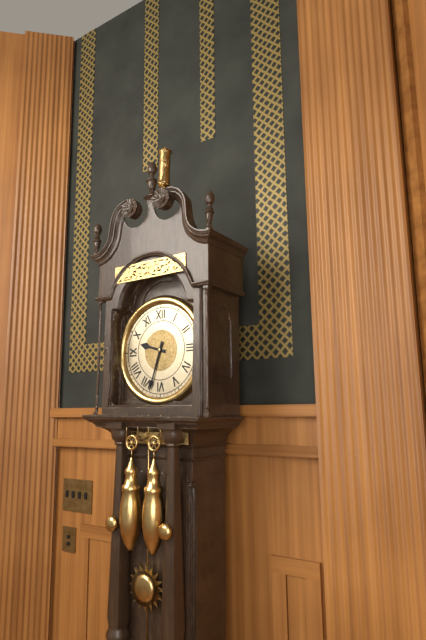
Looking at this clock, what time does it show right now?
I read 9:33
